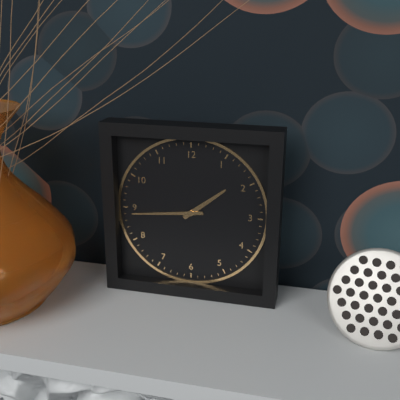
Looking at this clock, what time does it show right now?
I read 1:44
